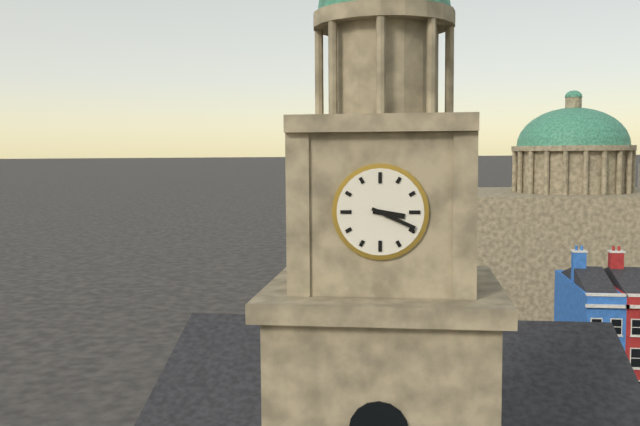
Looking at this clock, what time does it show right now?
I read 3:19
